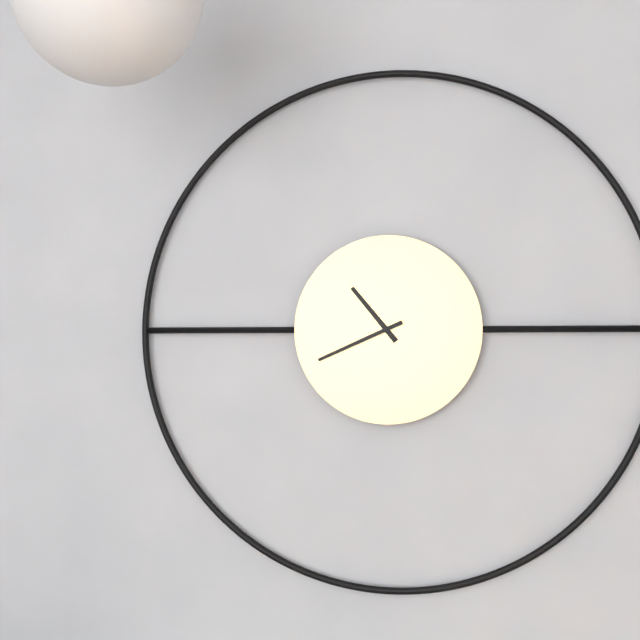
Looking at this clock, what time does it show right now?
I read 10:41
